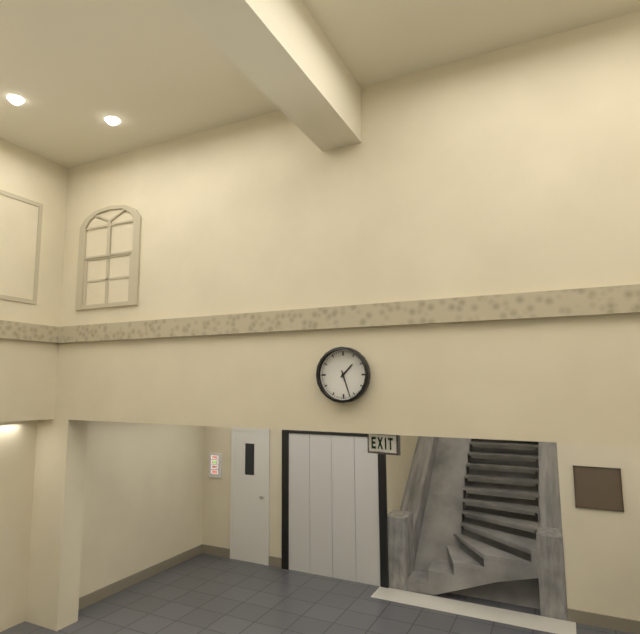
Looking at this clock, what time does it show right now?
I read 1:27
